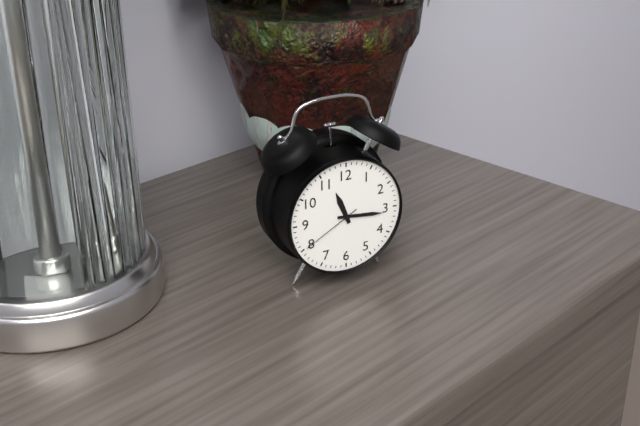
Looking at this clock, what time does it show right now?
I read 11:16:40
